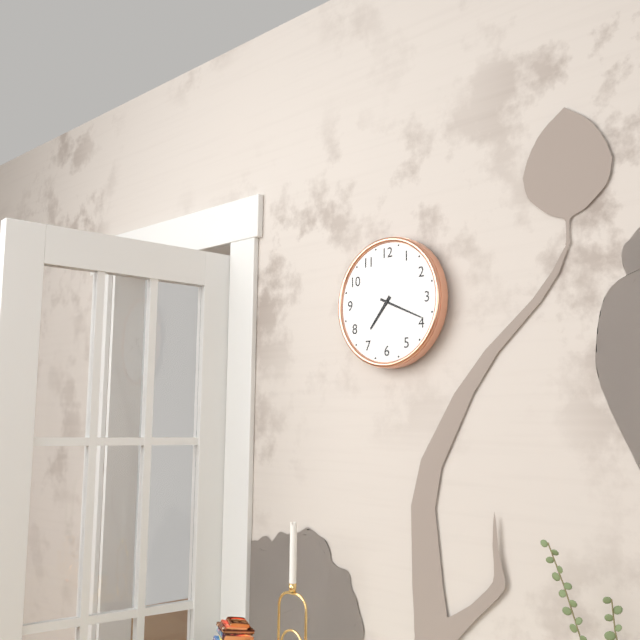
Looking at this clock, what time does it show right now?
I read 7:19
